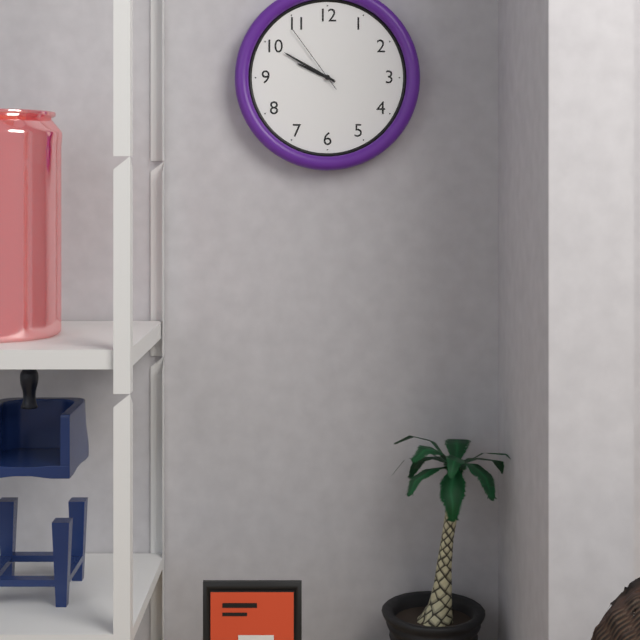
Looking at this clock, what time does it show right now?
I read 9:50:54
